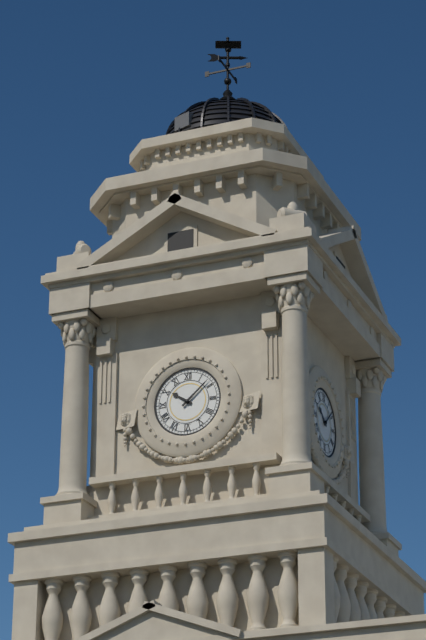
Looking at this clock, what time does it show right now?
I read 10:08
